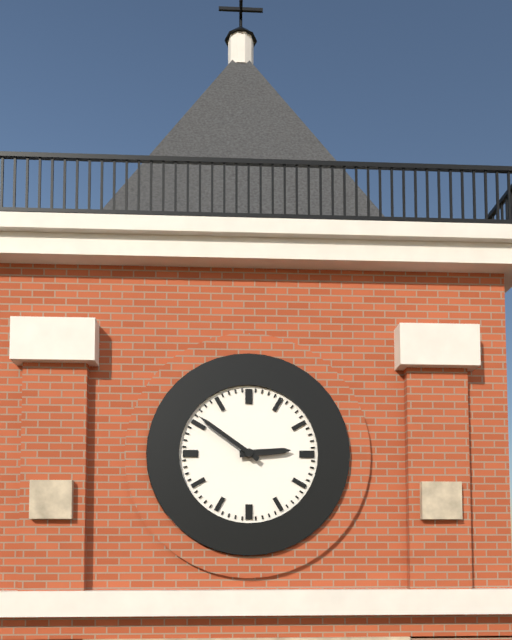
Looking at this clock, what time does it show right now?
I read 2:51
